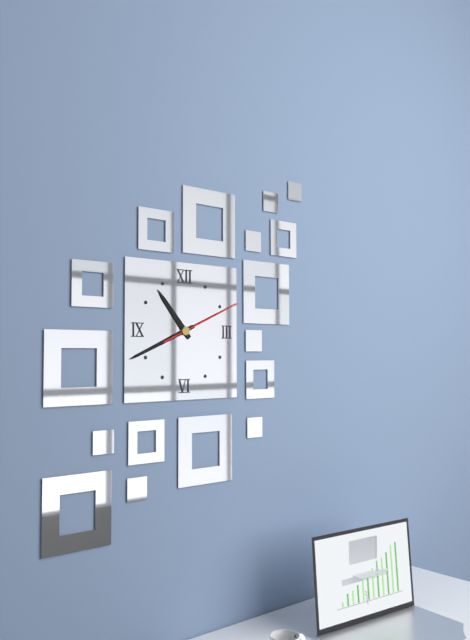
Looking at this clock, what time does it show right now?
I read 10:41:11
